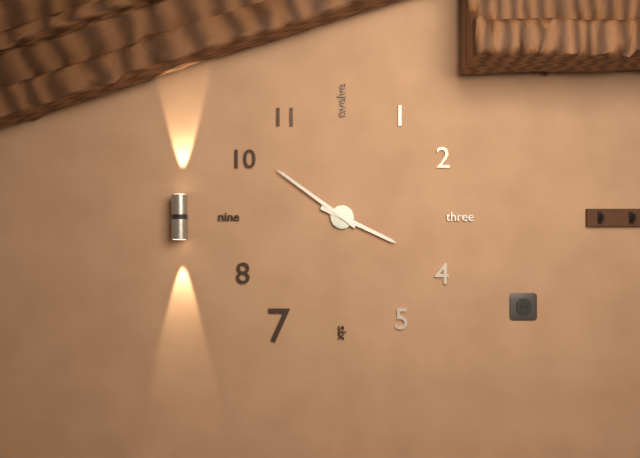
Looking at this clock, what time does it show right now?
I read 3:51
